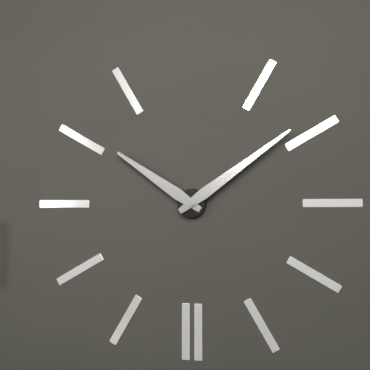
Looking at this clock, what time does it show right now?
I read 10:09
